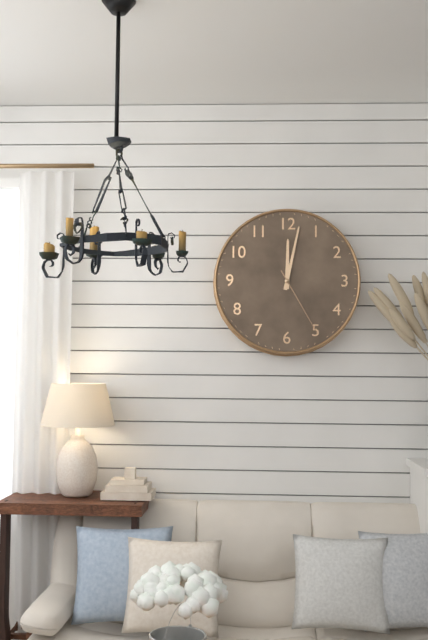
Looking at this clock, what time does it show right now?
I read 12:02:25
